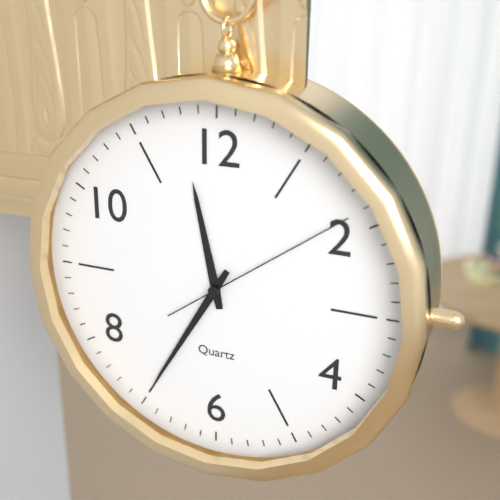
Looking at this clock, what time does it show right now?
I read 11:35:09
